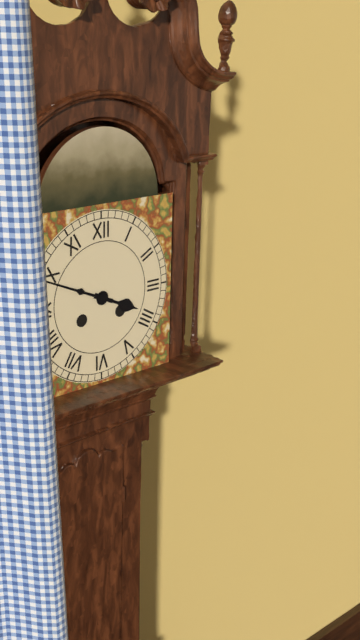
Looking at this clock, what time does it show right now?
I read 3:49
